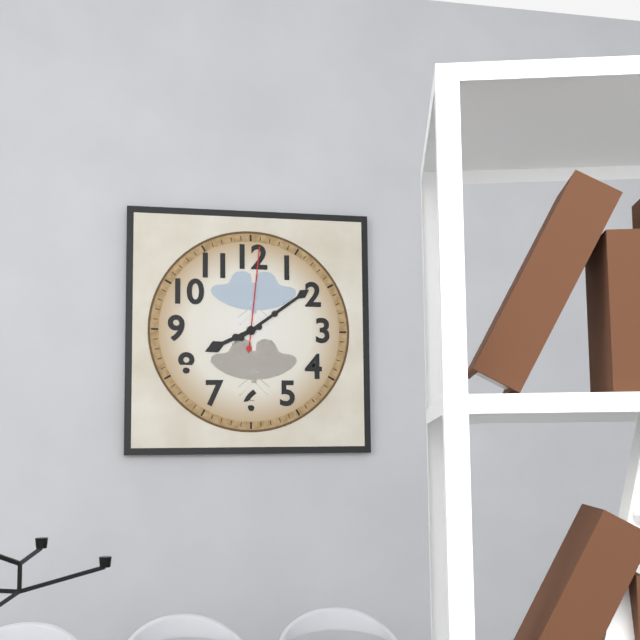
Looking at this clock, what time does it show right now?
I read 8:09:01
